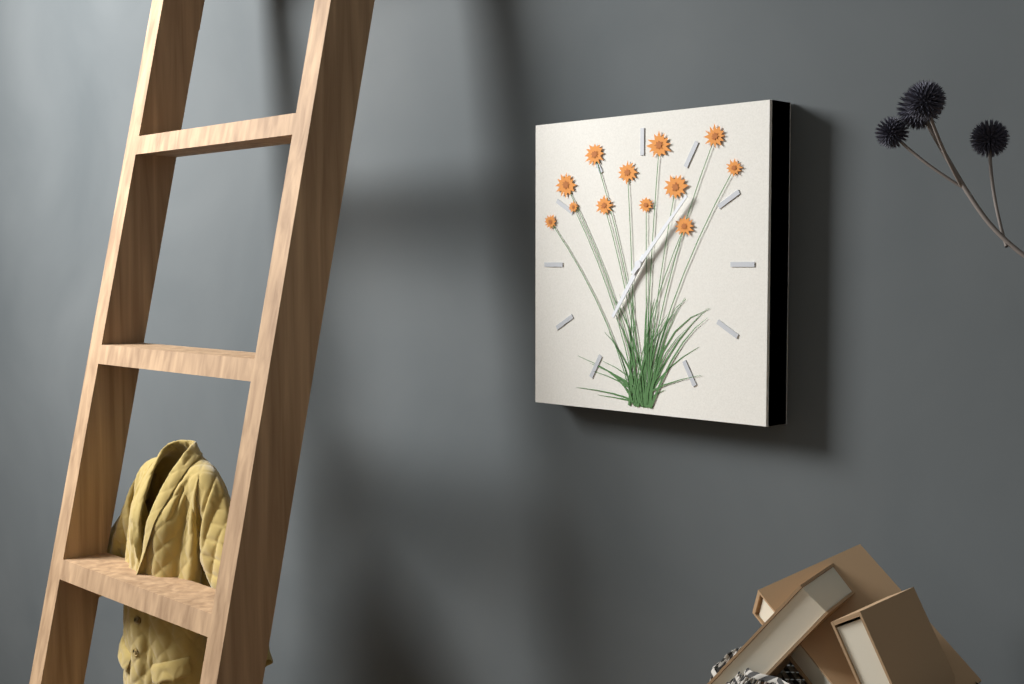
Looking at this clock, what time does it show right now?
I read 7:07
